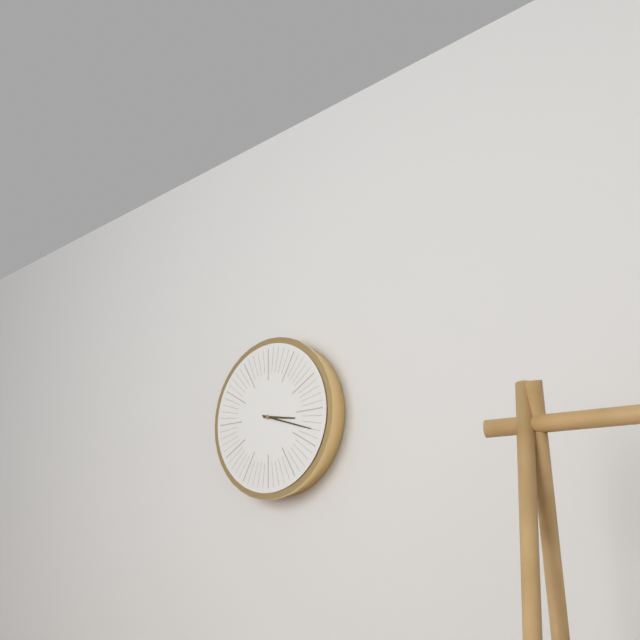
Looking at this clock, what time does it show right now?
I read 3:18
